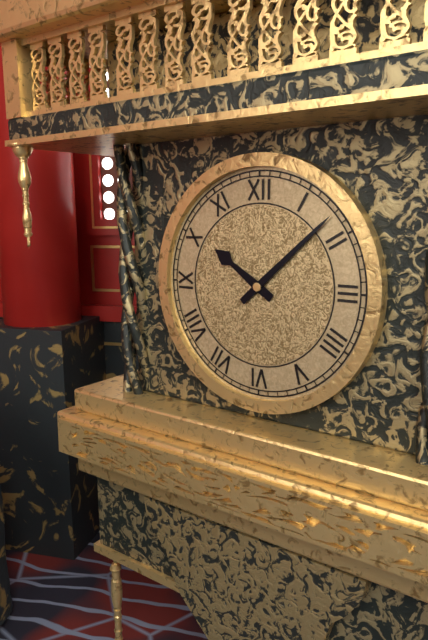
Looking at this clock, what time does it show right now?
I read 10:08
